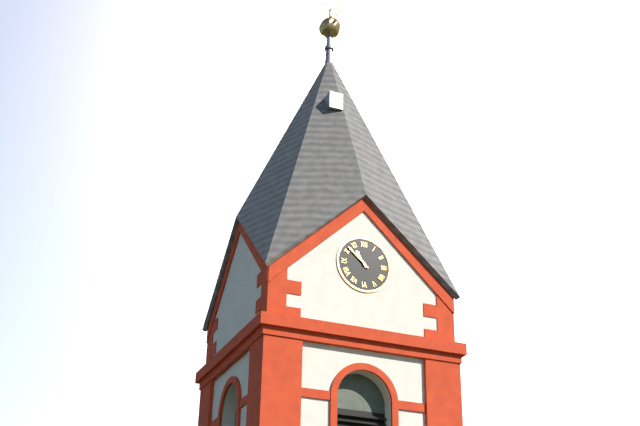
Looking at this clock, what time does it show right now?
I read 10:52
